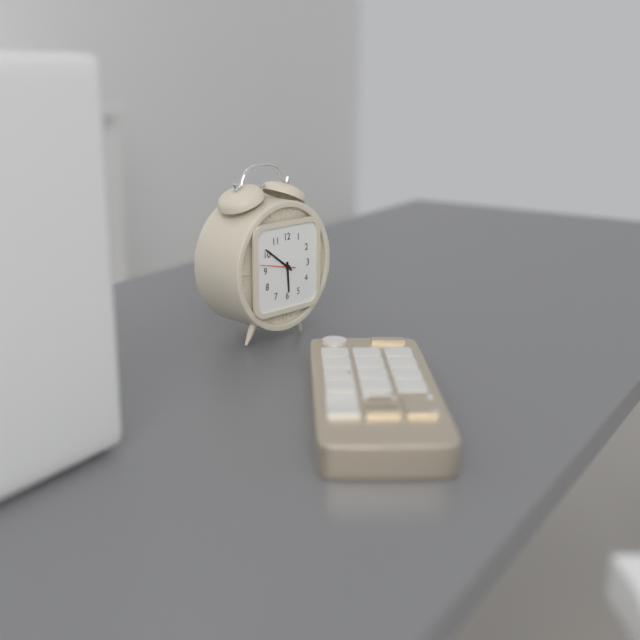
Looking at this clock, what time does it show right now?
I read 5:51
